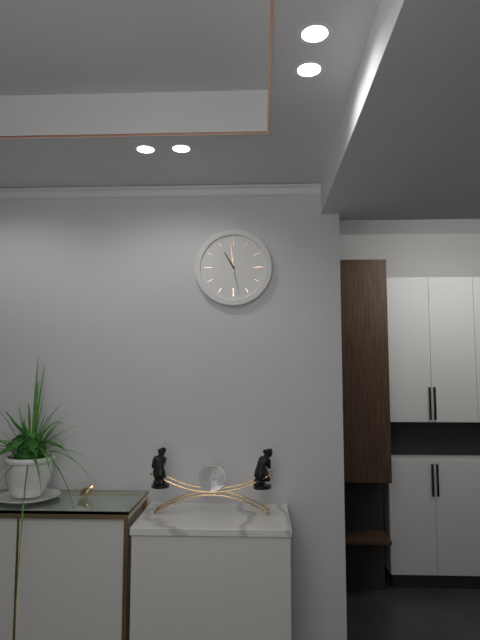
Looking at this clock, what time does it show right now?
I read 10:59
